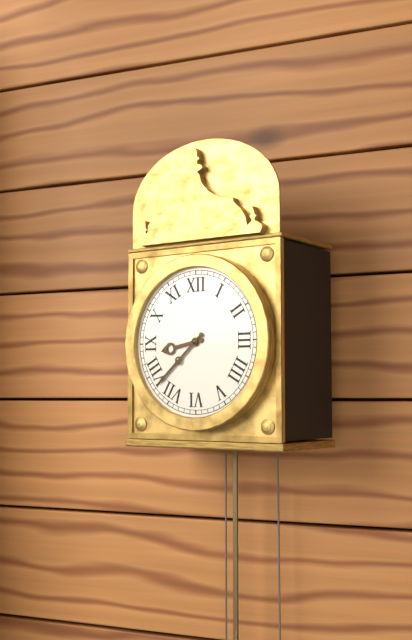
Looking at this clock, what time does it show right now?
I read 8:38
